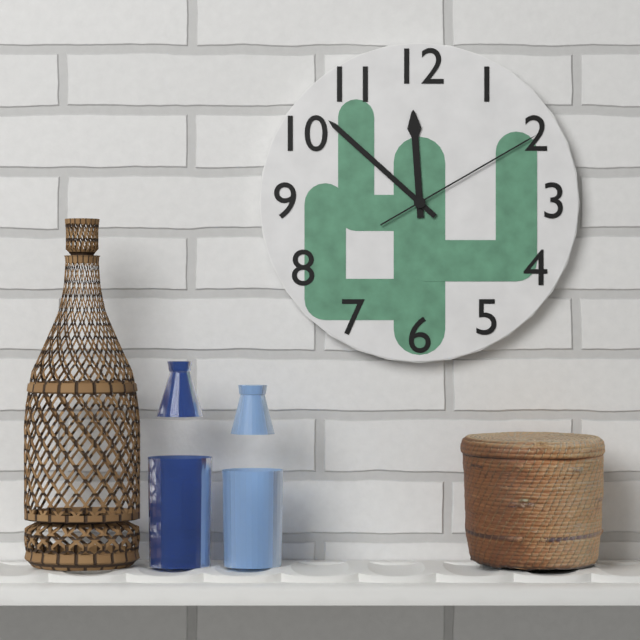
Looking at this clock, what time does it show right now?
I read 11:52:10
